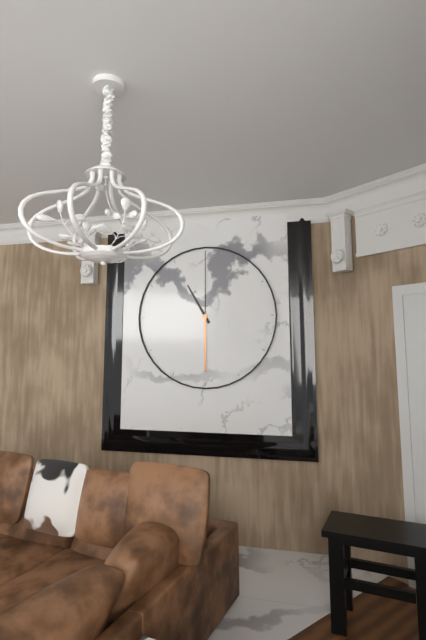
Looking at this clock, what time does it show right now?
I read 11:00
